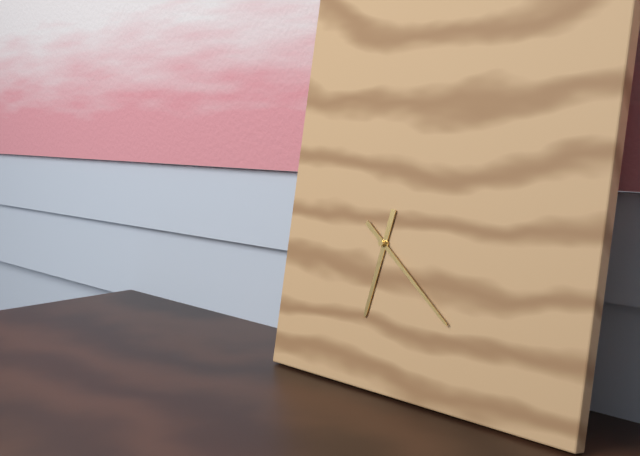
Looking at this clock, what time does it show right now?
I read 6:21
